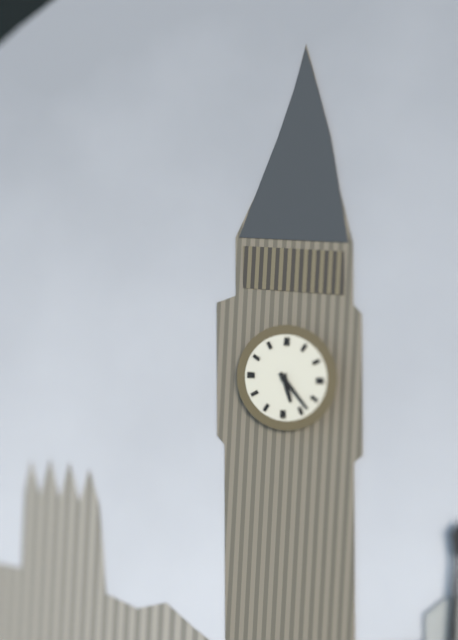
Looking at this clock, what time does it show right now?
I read 5:23
